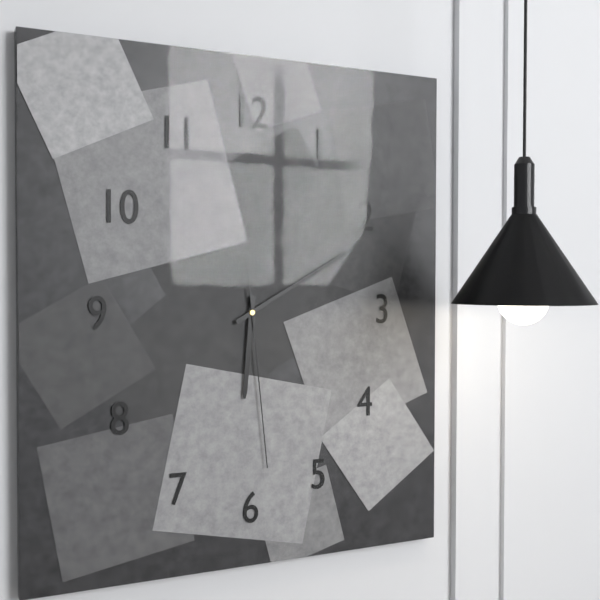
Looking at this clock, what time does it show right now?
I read 6:10:29
